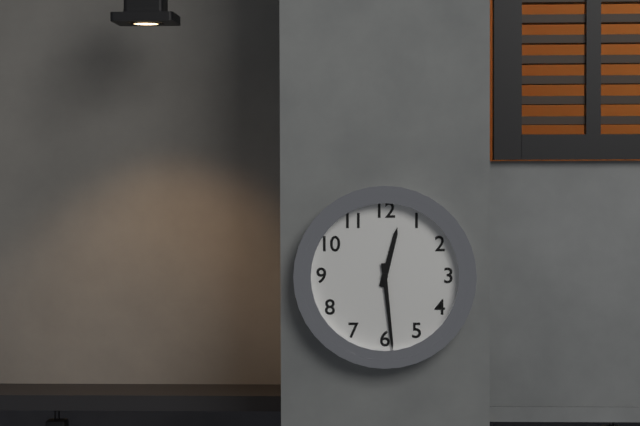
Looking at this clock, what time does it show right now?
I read 12:29
